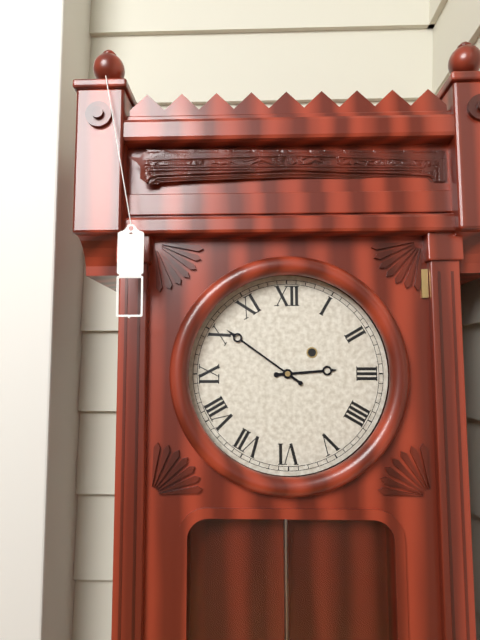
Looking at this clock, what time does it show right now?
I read 2:51
